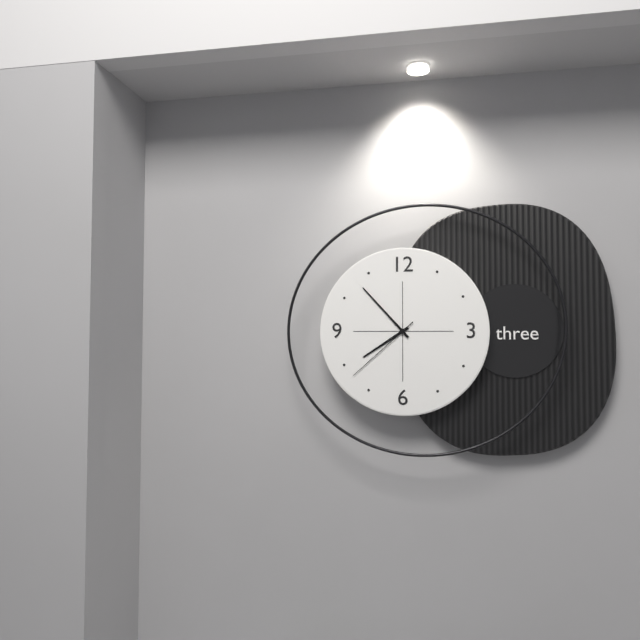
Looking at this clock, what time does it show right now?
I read 7:53:38
